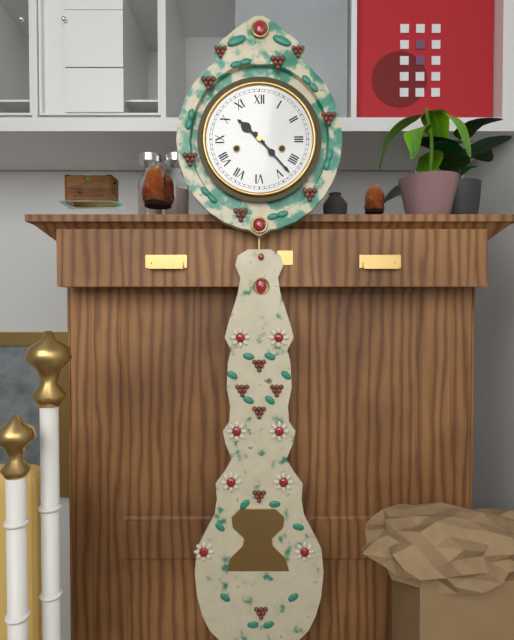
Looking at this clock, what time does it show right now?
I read 10:23
